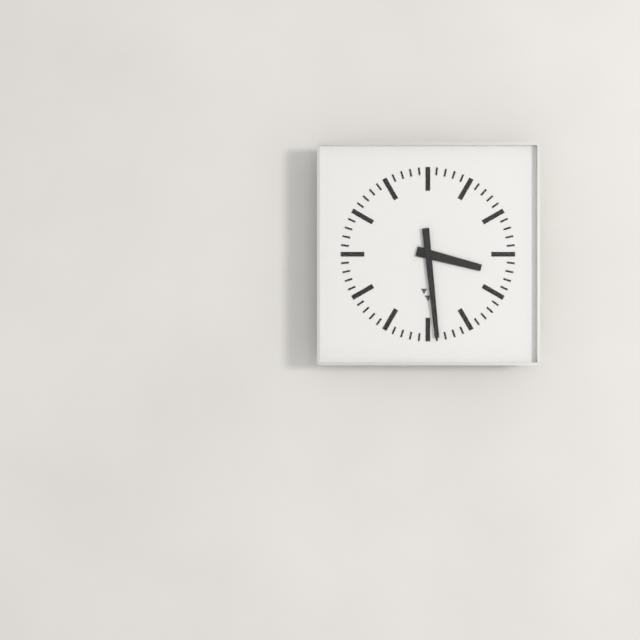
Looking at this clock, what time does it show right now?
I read 3:29
